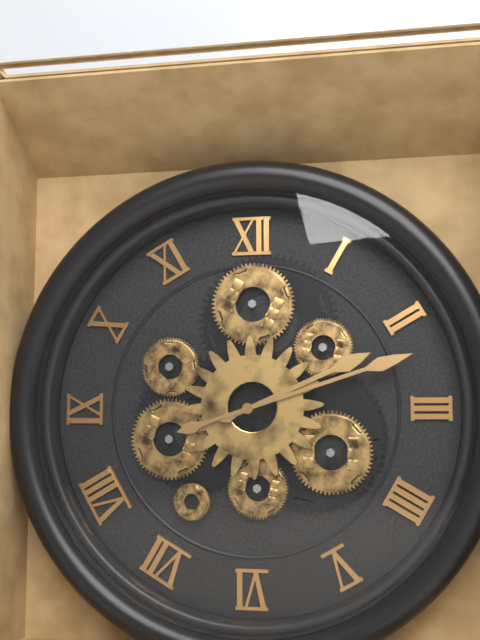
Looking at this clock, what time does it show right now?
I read 2:12
